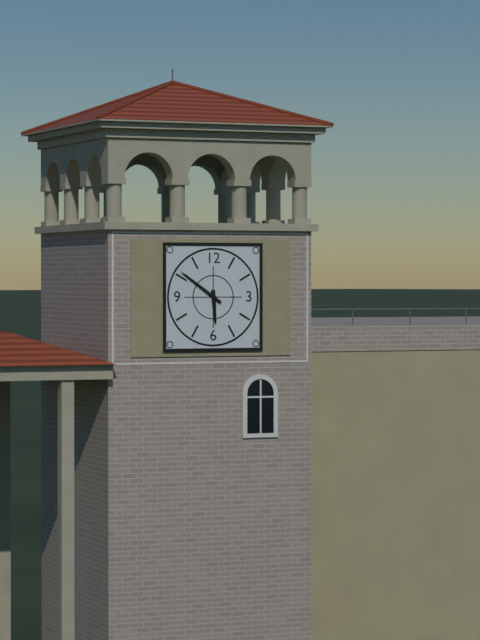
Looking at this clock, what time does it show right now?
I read 5:51
